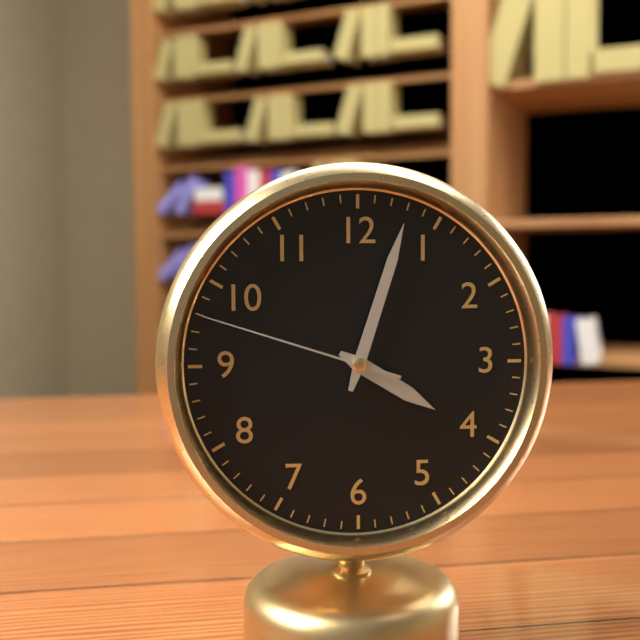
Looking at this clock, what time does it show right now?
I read 4:03:48
